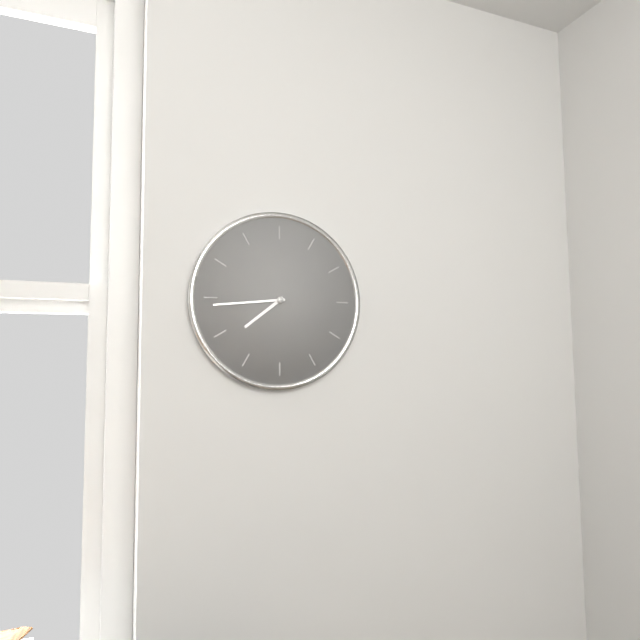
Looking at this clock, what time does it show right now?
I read 7:44
